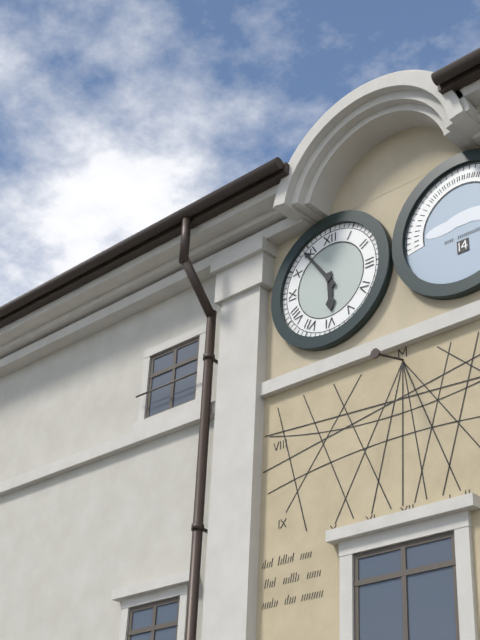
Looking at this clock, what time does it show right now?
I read 5:54
